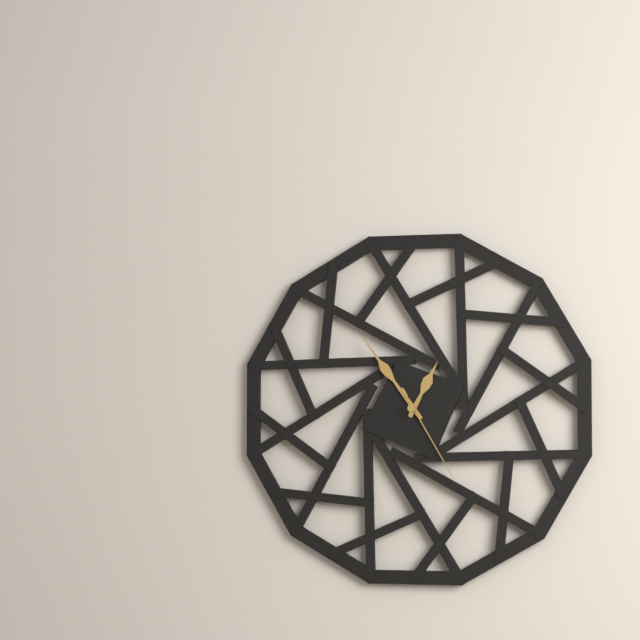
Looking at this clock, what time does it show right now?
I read 12:54:25
